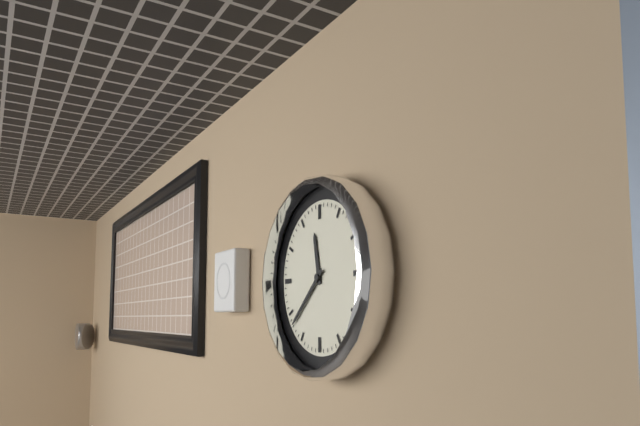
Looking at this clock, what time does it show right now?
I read 11:38
